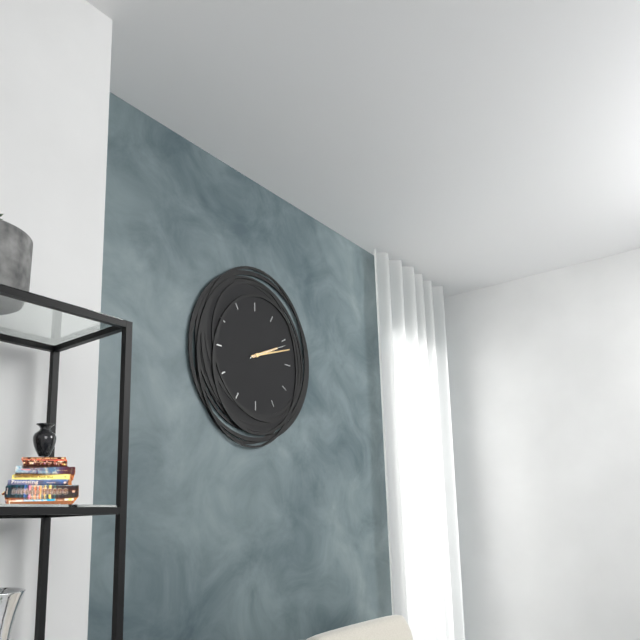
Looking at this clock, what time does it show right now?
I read 2:12
